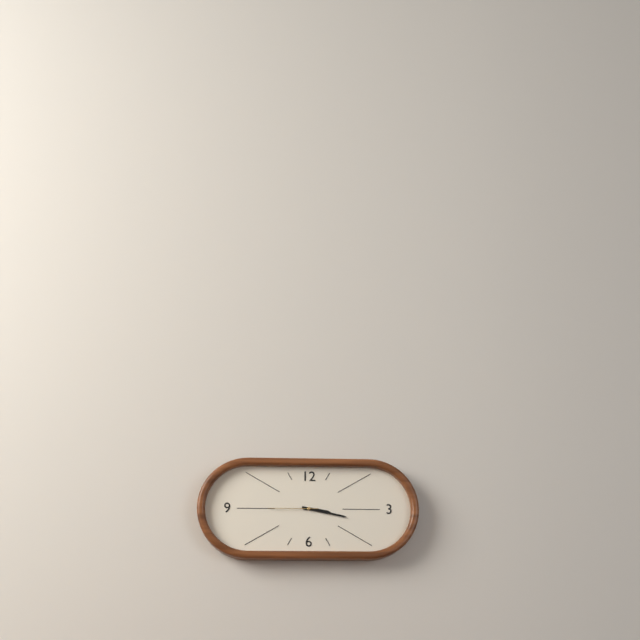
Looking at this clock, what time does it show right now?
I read 3:17:45
